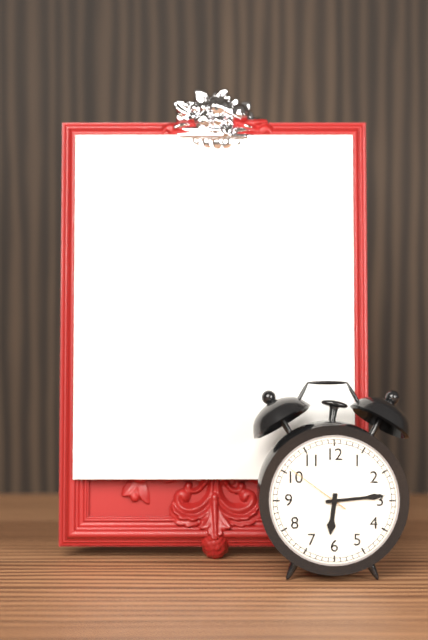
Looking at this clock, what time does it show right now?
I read 6:14:51
